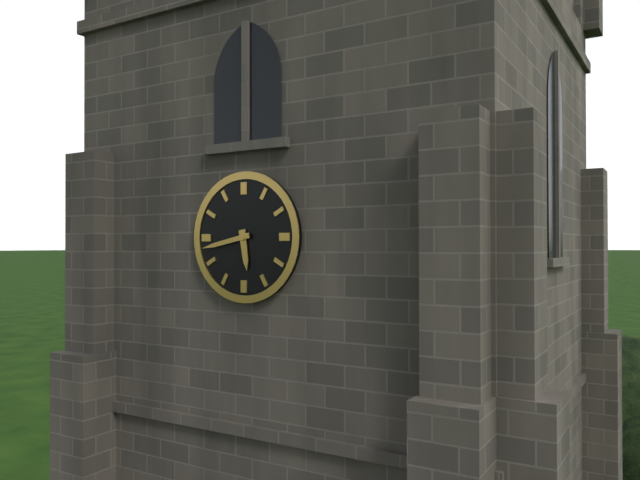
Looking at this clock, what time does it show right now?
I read 5:43
